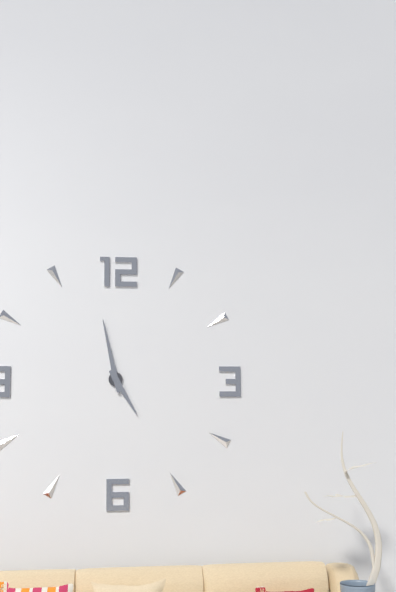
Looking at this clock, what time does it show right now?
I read 4:58
